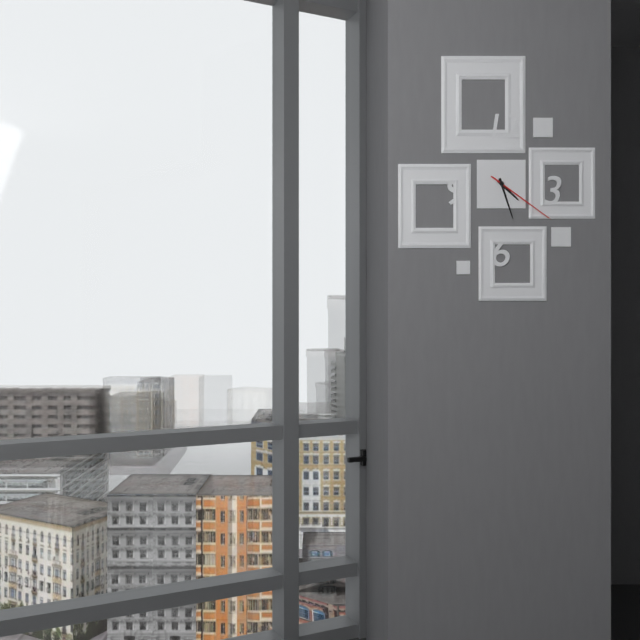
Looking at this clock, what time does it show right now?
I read 4:27:21
